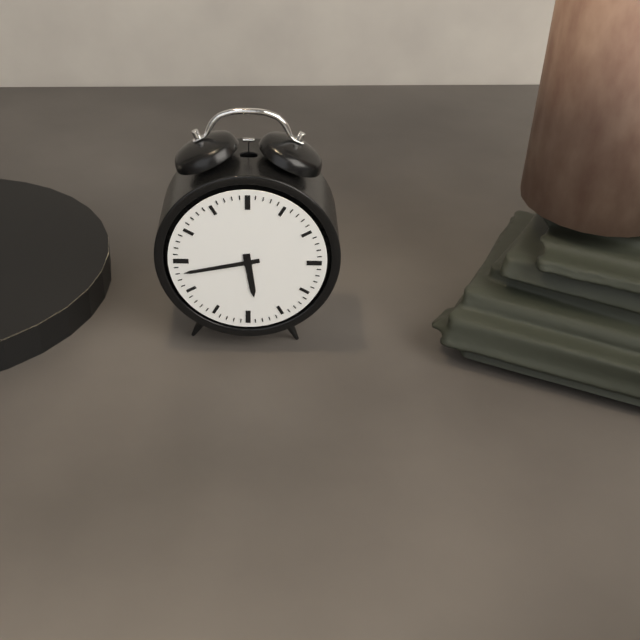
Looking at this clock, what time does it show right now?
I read 5:43
